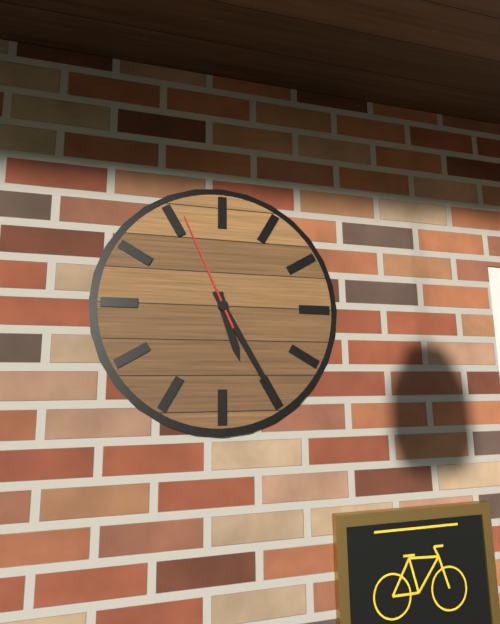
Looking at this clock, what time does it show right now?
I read 5:25:56
